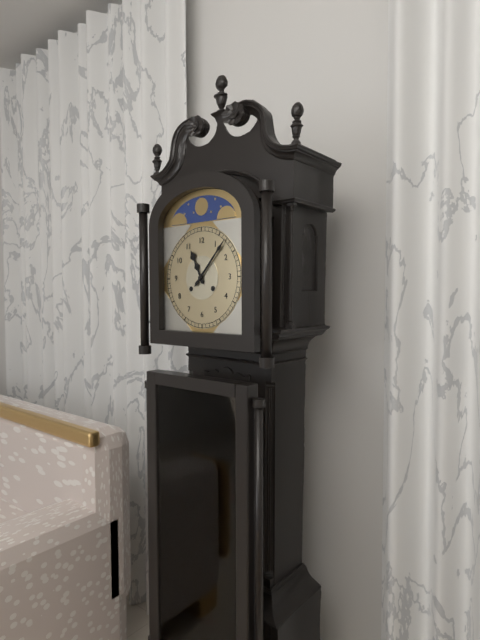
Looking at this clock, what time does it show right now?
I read 11:07
